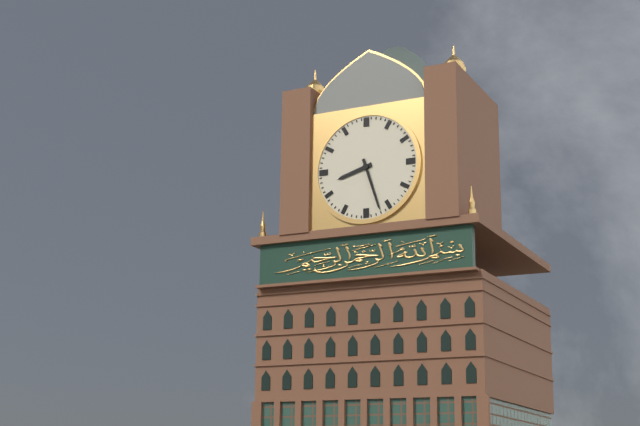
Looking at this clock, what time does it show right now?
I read 8:27
